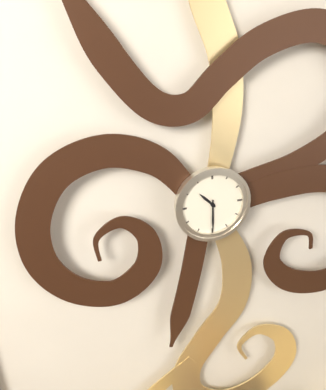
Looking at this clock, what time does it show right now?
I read 10:30
